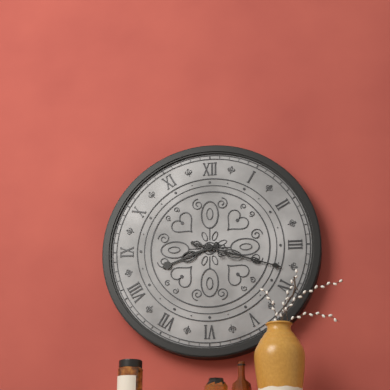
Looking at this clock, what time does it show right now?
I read 8:18
